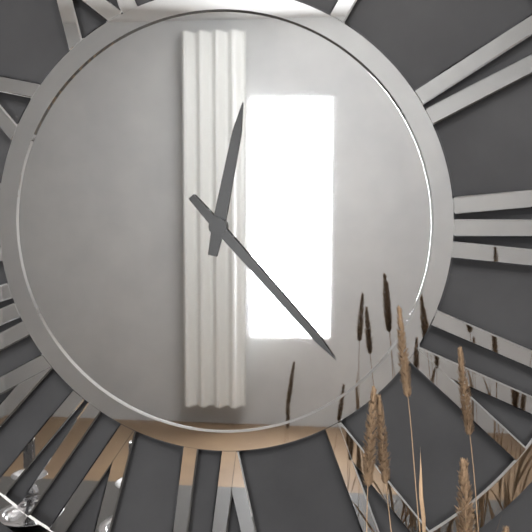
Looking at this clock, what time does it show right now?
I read 12:23
